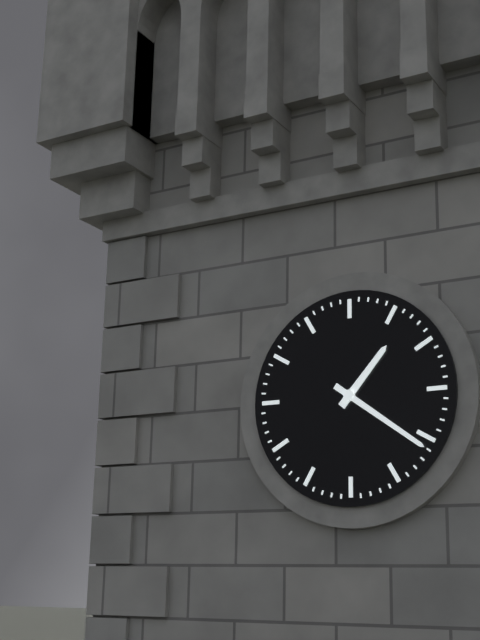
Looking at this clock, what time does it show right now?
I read 1:21
